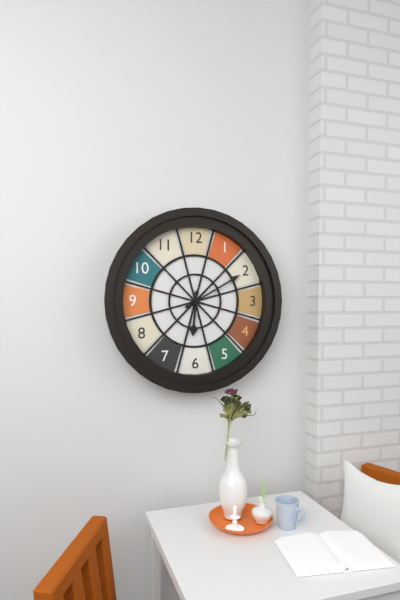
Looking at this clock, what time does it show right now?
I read 6:10
